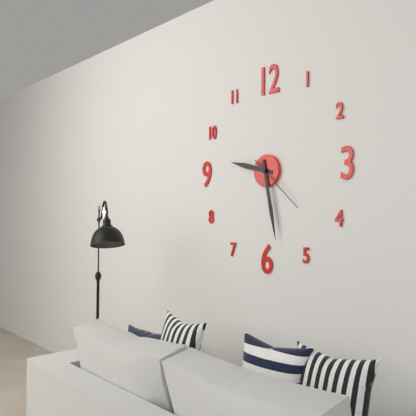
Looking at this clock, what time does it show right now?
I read 9:28:22
